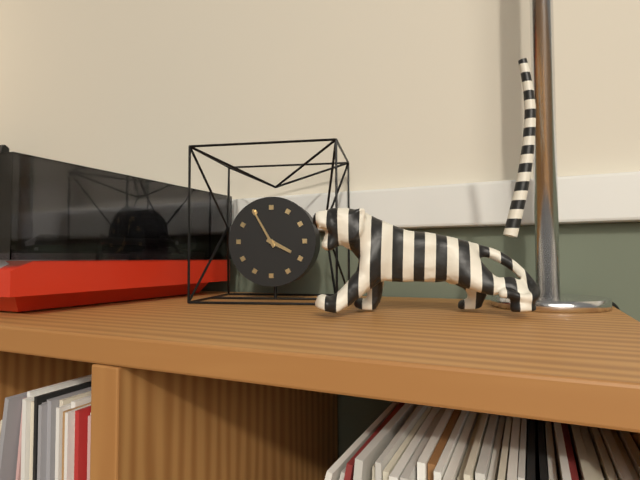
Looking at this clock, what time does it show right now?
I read 3:55
